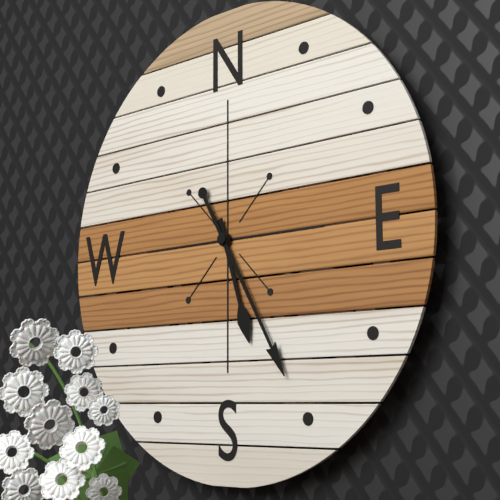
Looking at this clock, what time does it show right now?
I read 5:25
